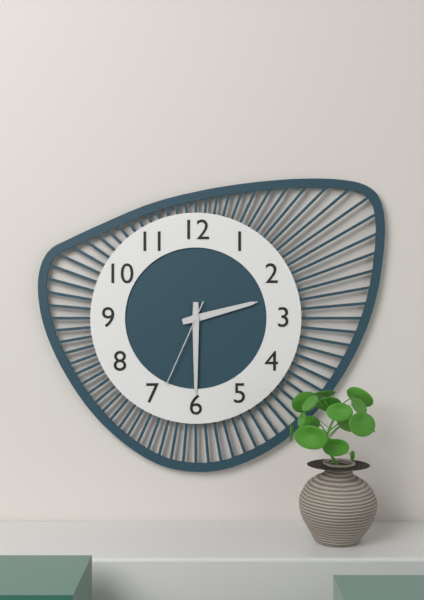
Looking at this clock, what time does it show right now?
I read 2:30:34
